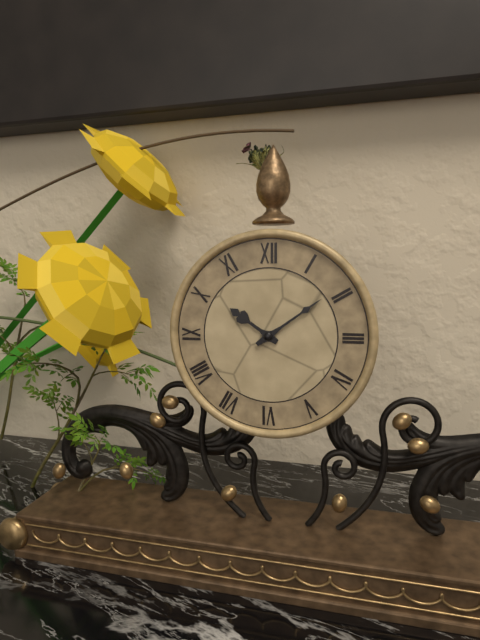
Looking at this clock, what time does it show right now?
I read 10:09
